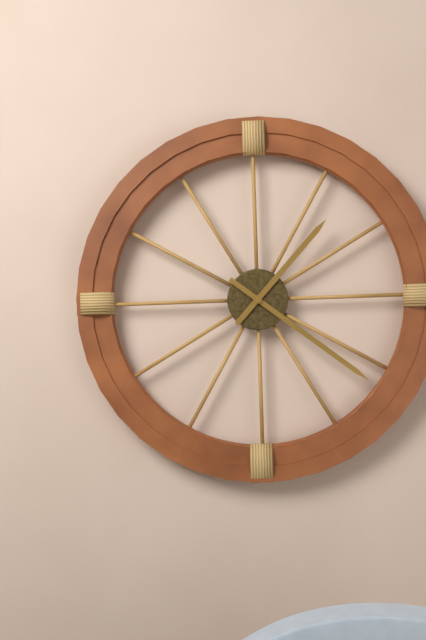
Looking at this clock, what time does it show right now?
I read 1:21
